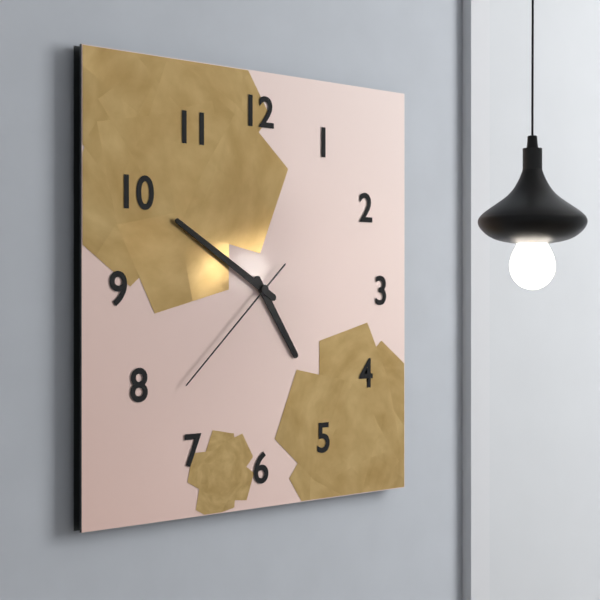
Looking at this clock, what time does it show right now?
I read 4:50:38
